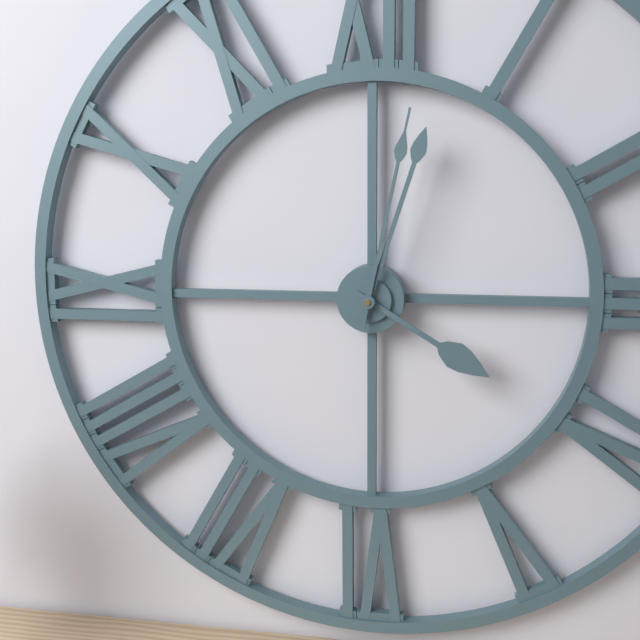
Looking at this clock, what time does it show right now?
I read 4:03:02
